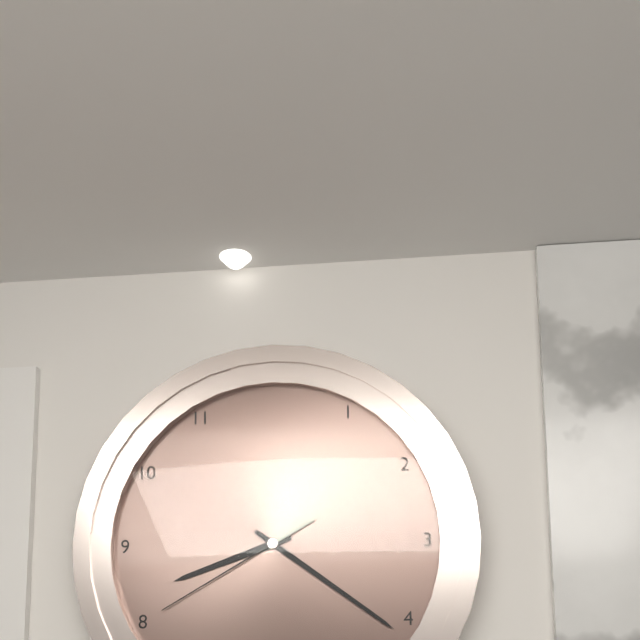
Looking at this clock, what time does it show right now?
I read 8:21:40
